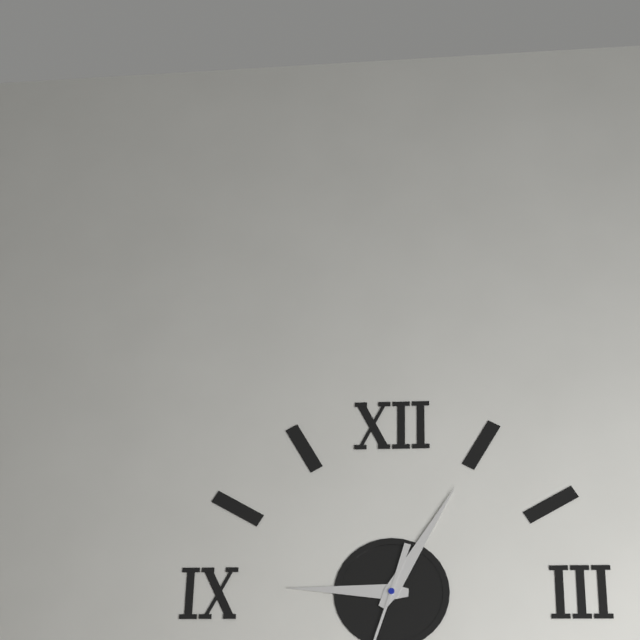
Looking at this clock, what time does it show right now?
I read 9:05
